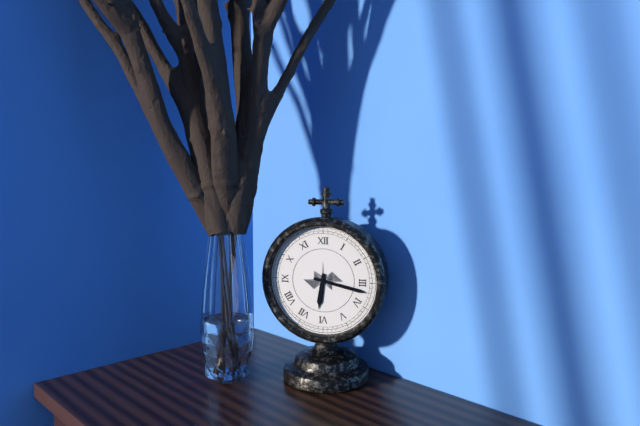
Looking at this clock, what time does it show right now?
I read 6:17
